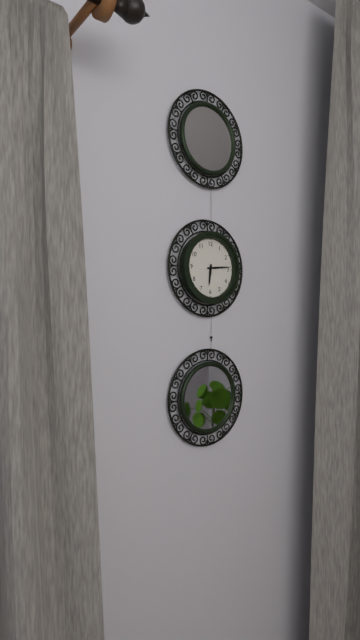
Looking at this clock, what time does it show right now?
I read 6:14
